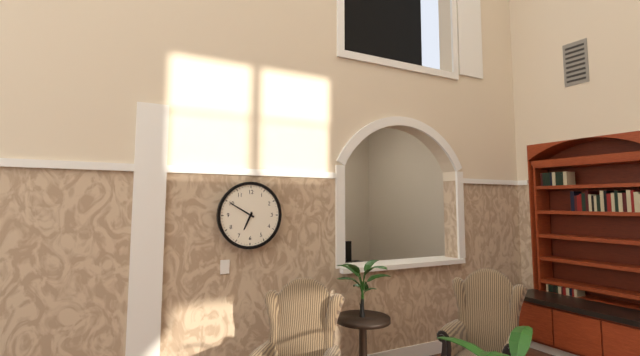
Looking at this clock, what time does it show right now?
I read 6:50
